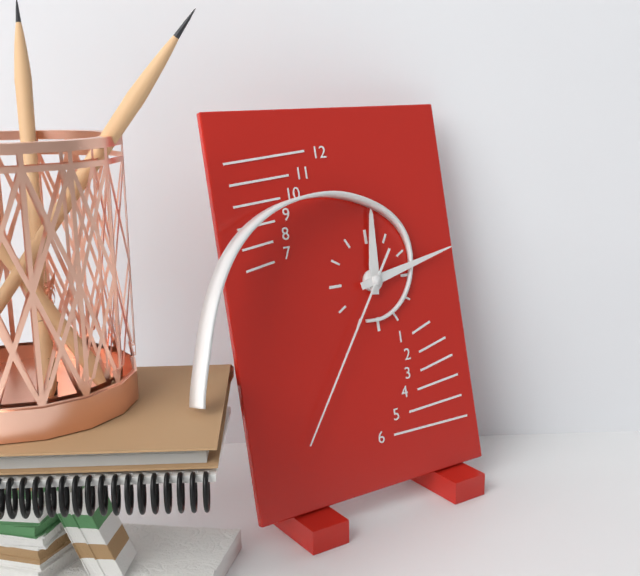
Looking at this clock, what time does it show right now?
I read 12:13:36
